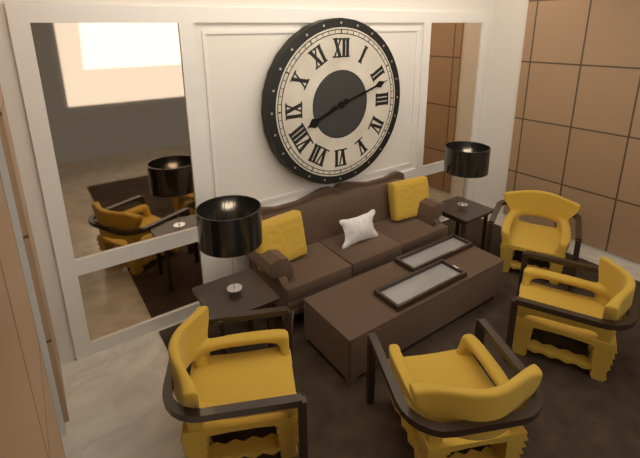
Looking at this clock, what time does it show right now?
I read 8:12
